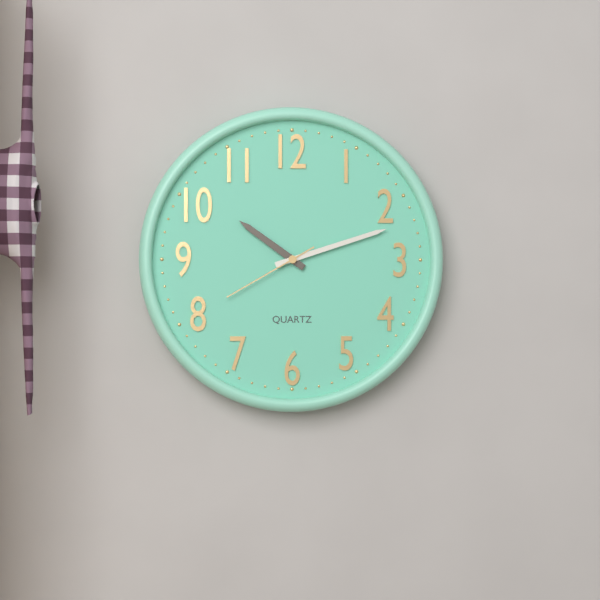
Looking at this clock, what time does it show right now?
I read 10:12:40
